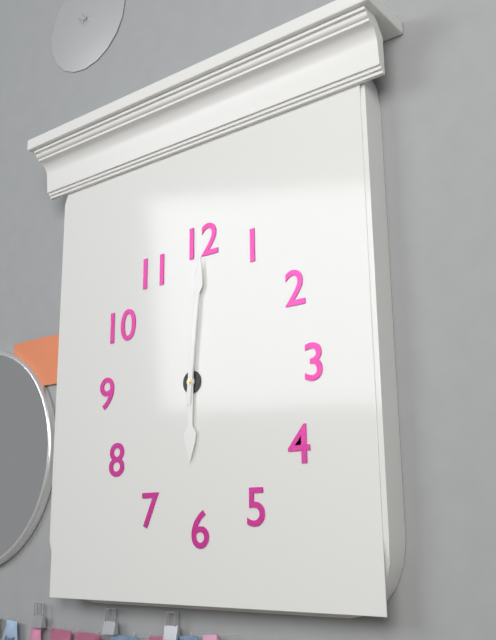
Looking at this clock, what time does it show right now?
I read 6:01
